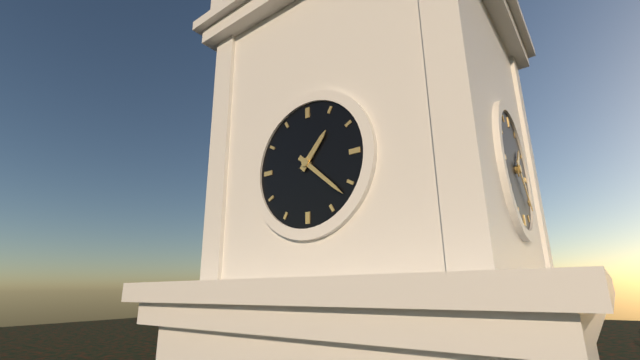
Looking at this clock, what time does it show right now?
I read 1:22
